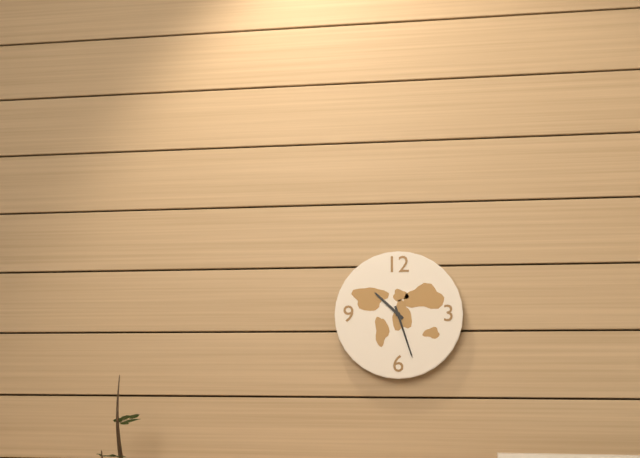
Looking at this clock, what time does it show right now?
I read 10:27
